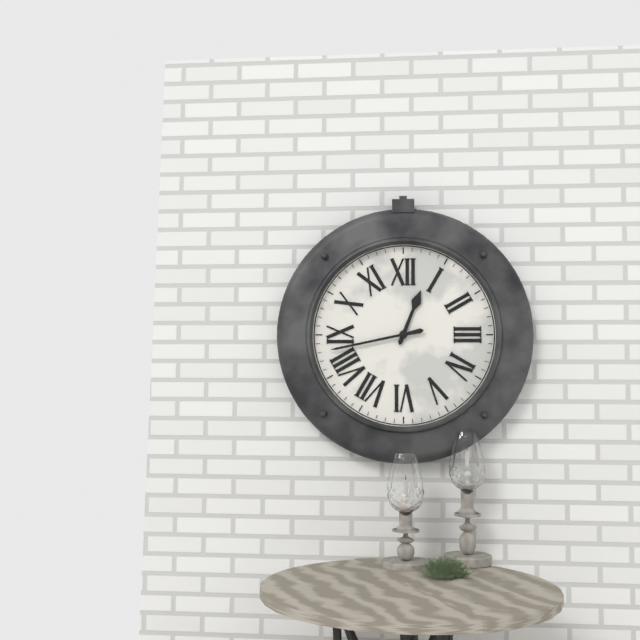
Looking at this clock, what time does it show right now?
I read 12:43
